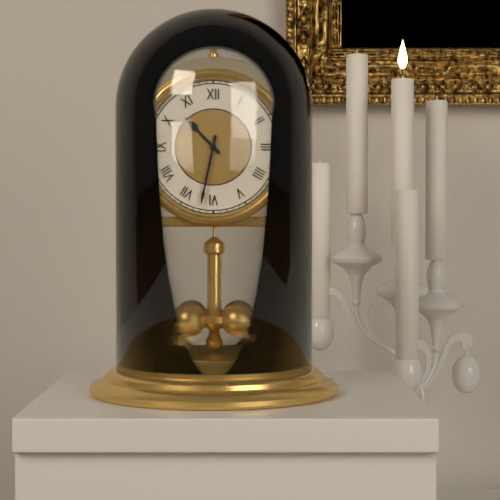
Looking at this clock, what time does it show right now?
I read 10:32
